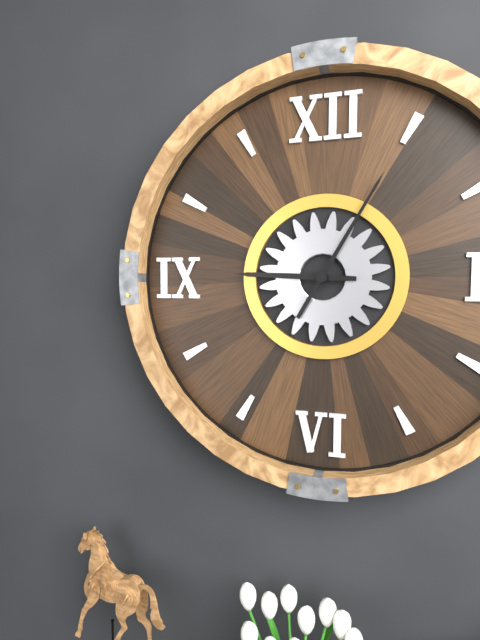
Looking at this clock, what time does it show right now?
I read 9:05
